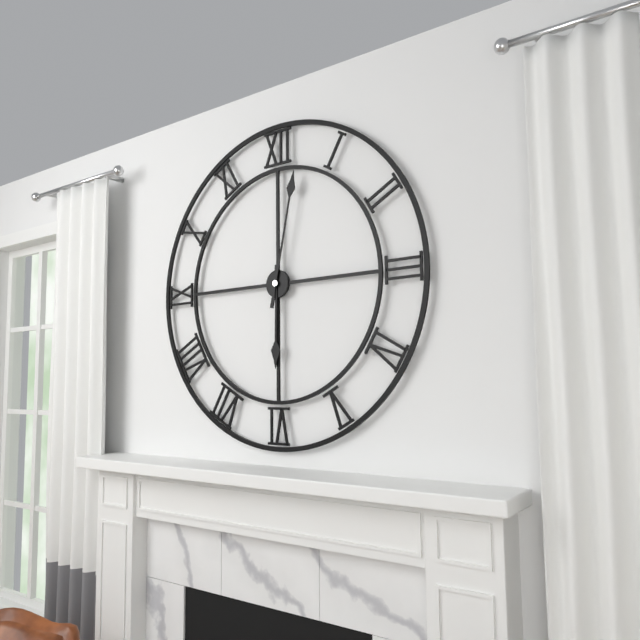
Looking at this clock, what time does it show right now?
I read 6:02
